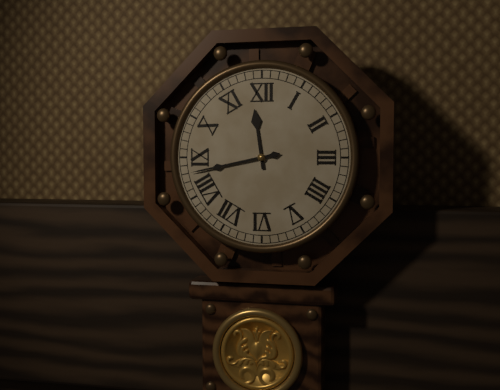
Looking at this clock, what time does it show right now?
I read 11:43
